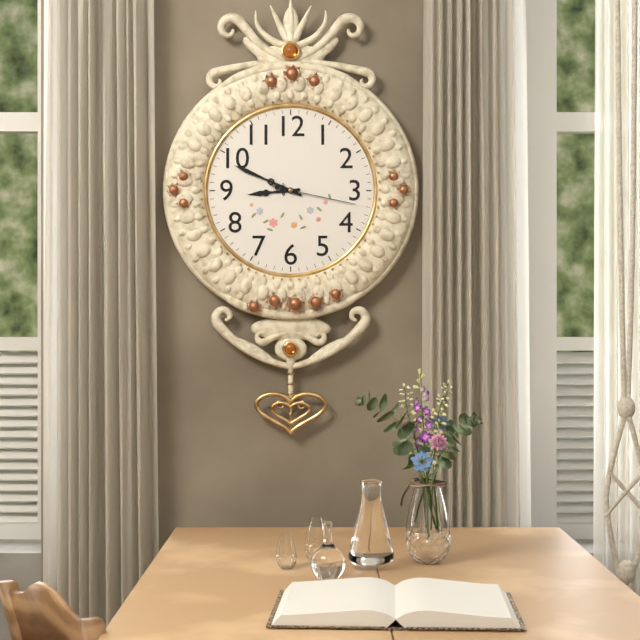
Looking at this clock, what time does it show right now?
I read 8:49:17
